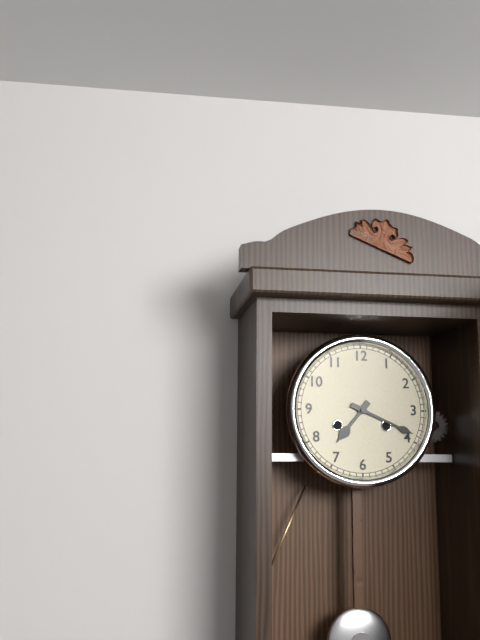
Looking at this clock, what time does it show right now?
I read 7:19
